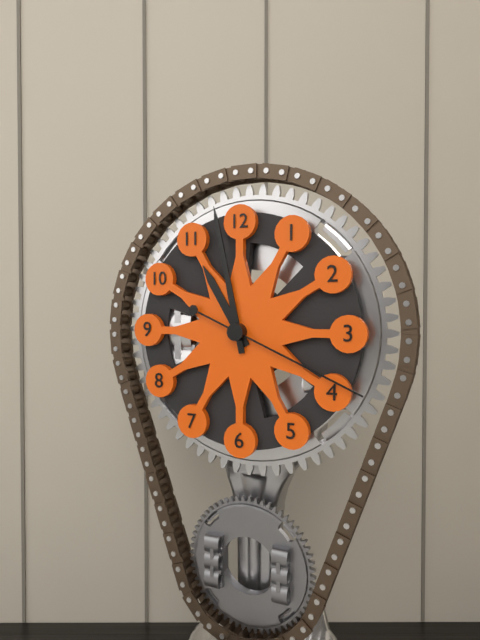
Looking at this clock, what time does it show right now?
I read 10:58:19
